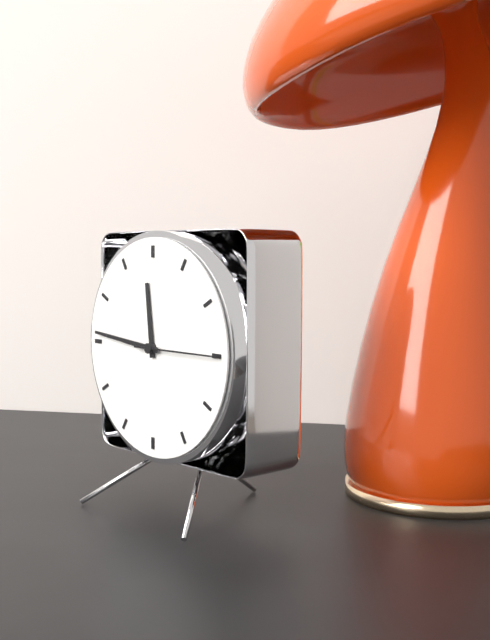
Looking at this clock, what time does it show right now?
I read 11:46
